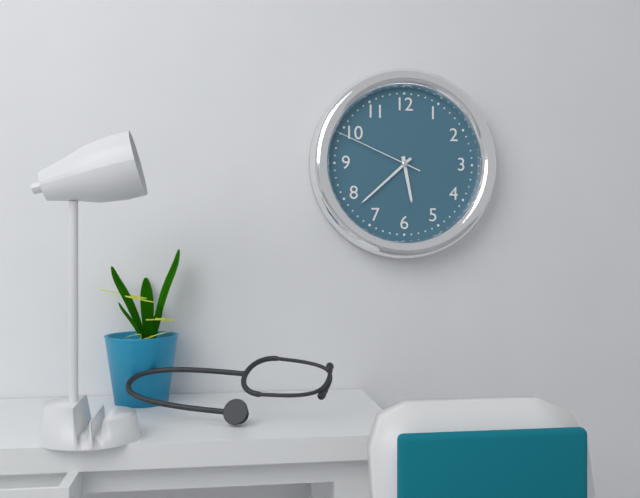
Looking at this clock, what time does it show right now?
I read 5:38:49
